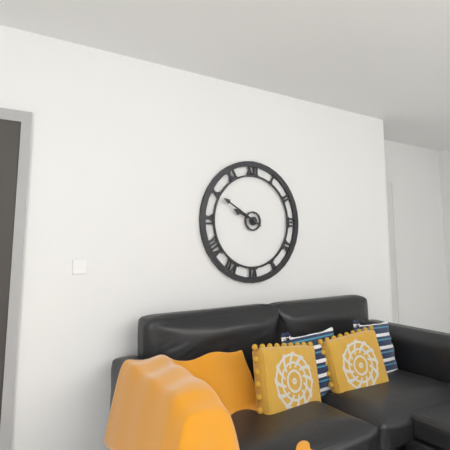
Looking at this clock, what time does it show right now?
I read 9:50
